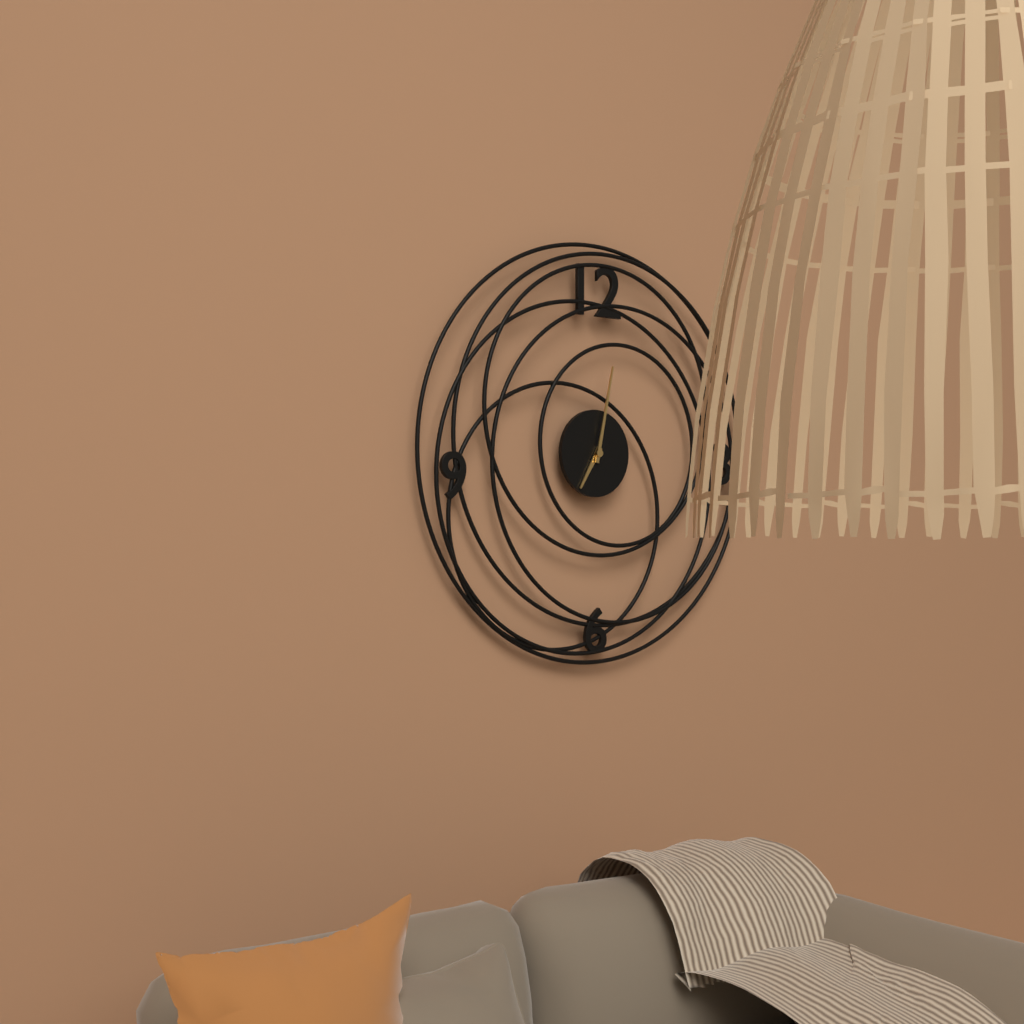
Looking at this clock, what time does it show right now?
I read 7:02
